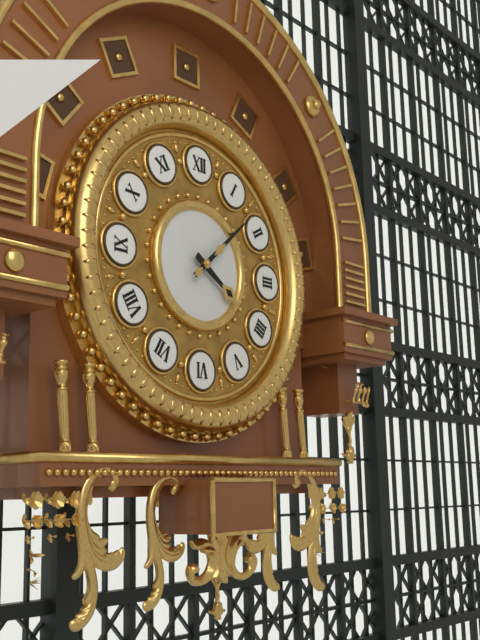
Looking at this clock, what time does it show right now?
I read 4:08
